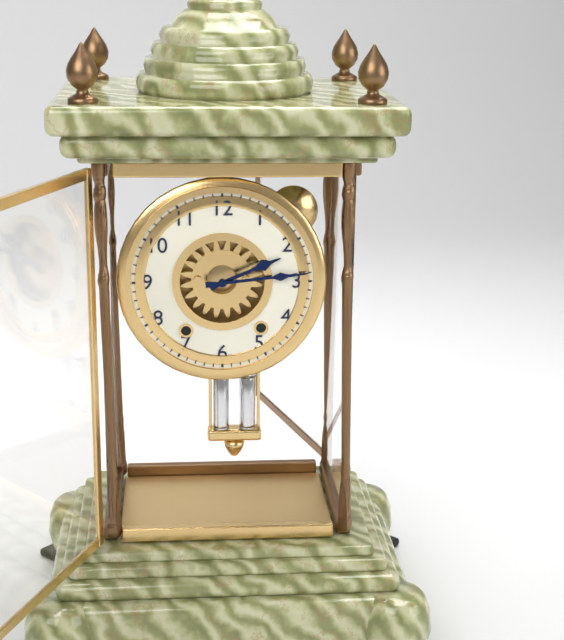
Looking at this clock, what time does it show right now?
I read 2:14
